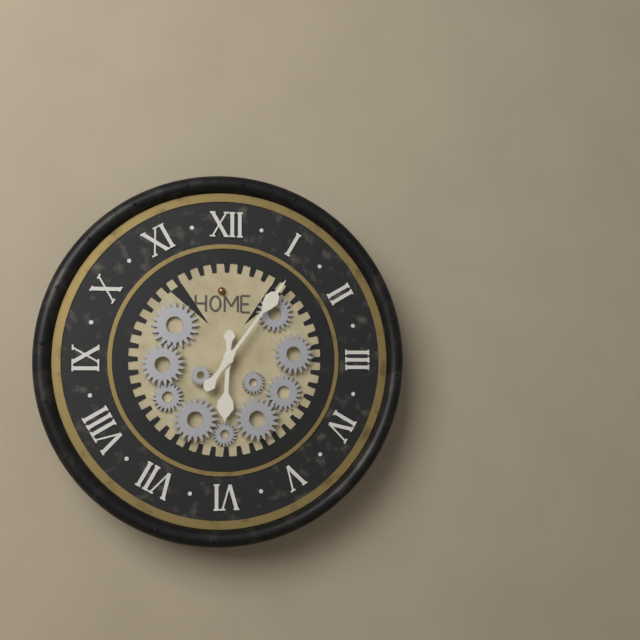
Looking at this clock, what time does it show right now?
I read 6:06
